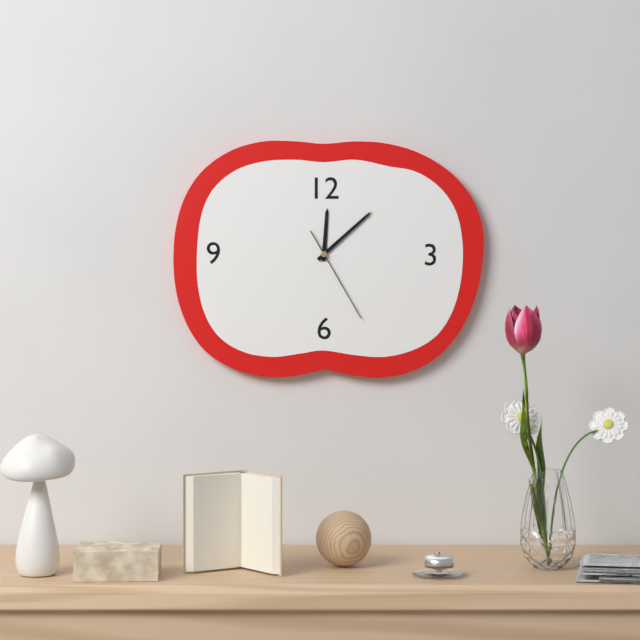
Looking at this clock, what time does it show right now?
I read 12:08:25
